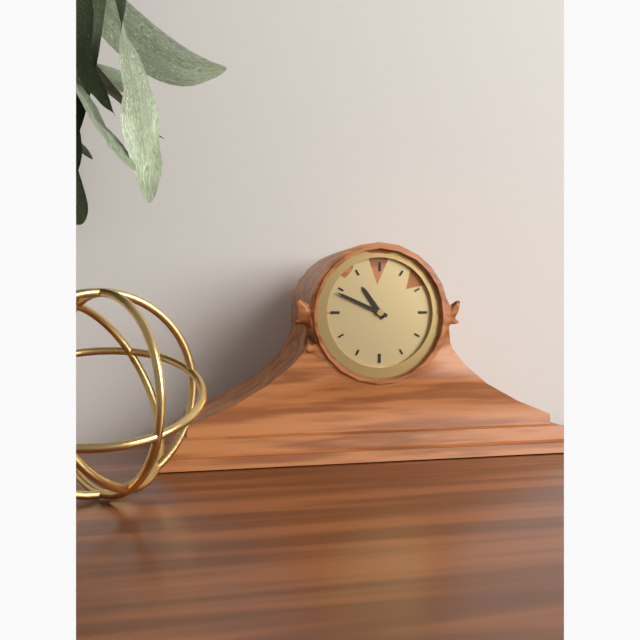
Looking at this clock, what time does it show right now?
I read 10:49
